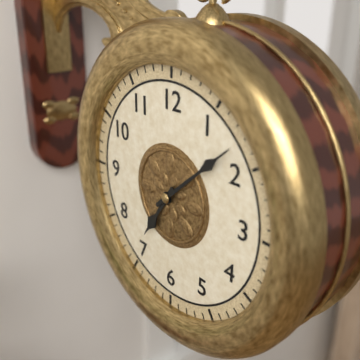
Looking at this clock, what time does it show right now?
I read 7:08
